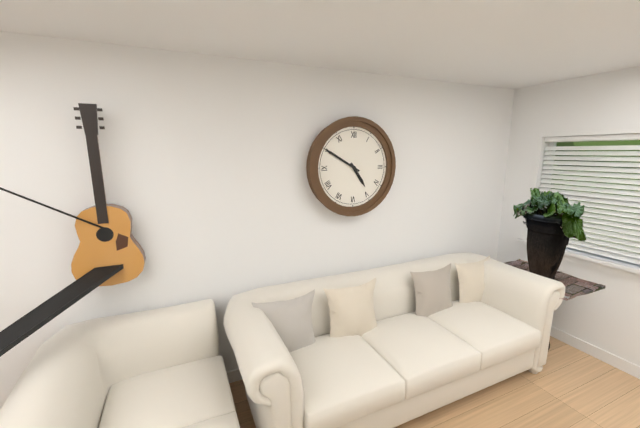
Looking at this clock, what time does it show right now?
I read 4:50
